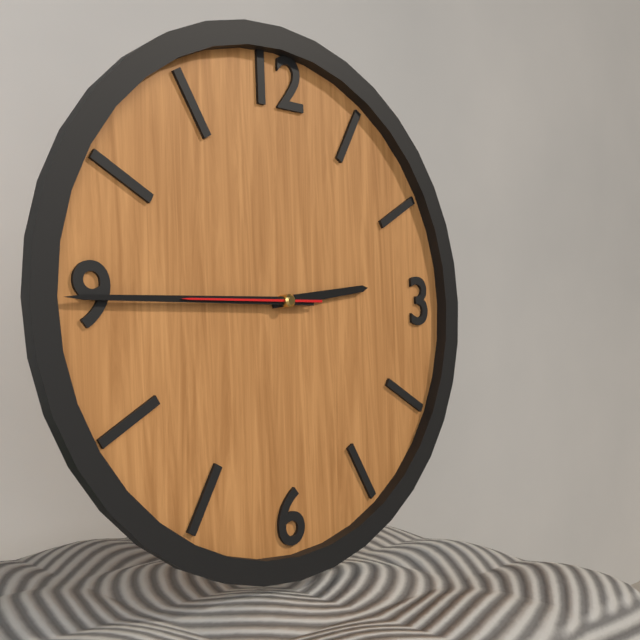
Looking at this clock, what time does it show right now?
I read 2:45:45
